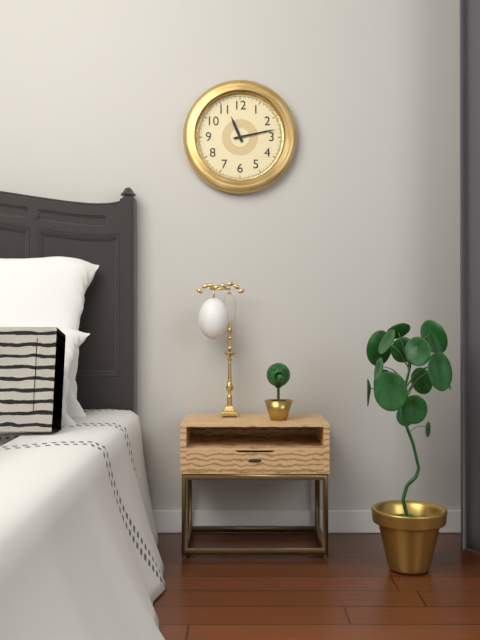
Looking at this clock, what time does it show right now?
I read 11:13
